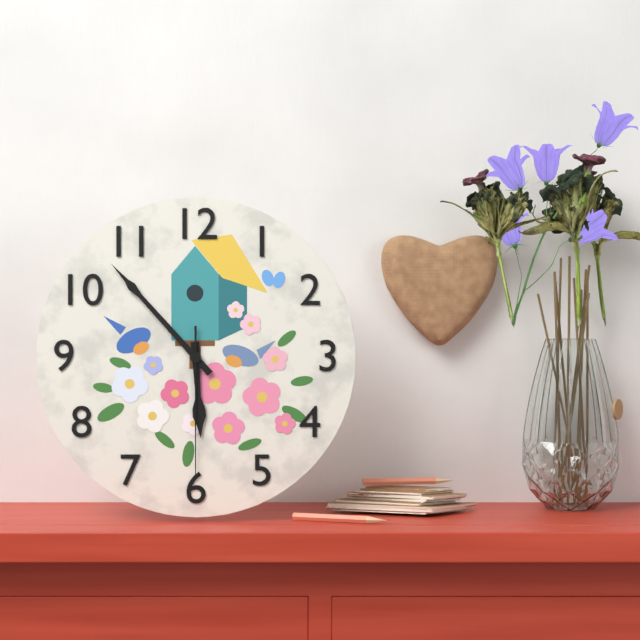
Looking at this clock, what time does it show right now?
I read 5:53:30
